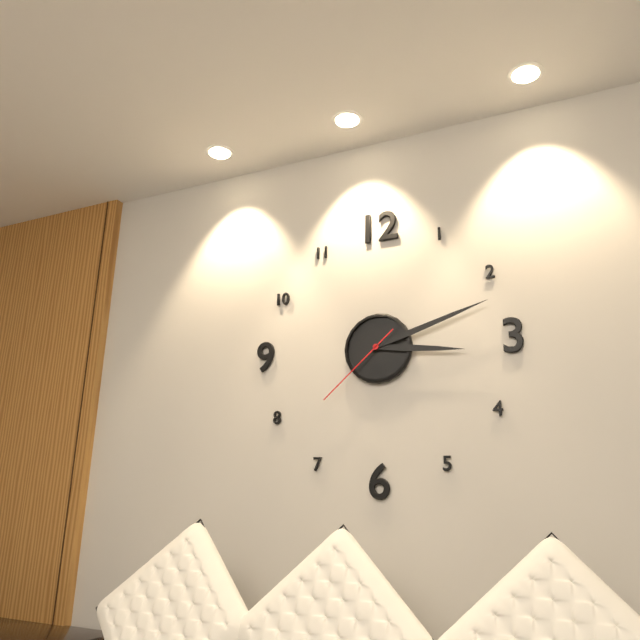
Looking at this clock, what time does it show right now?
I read 3:12:38
